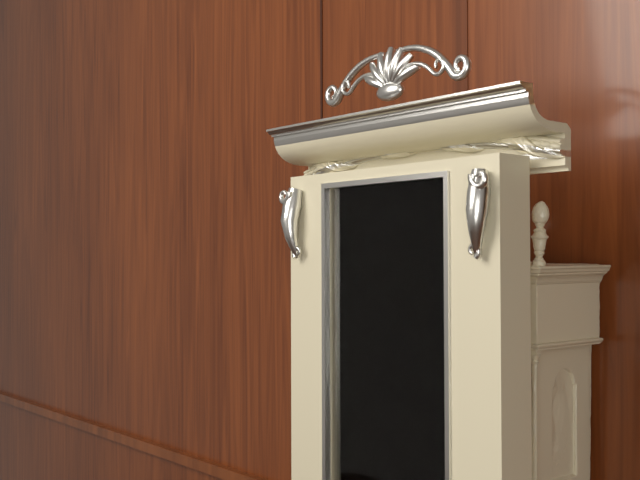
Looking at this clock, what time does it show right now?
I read 7:51
